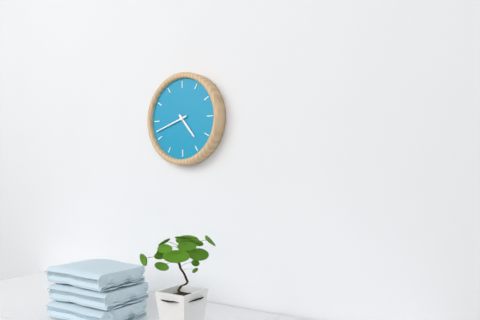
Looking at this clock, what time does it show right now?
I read 4:42
